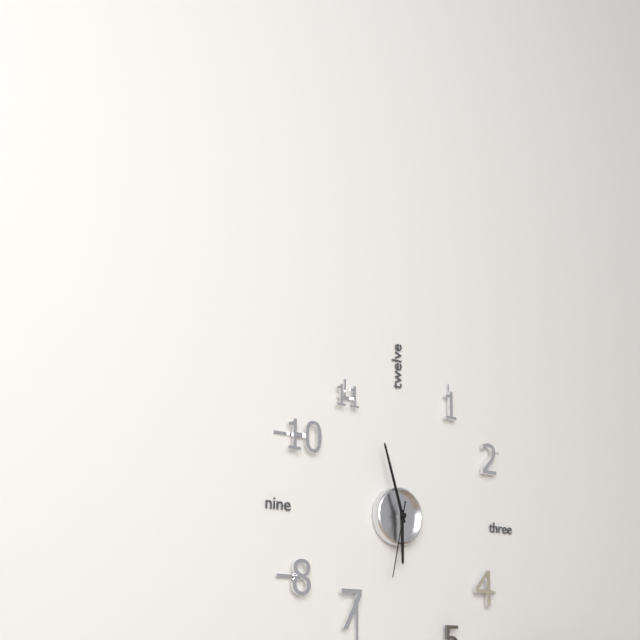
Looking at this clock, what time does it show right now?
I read 5:57:32
